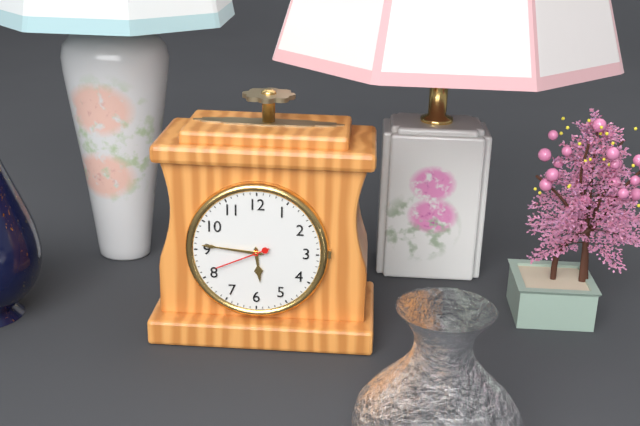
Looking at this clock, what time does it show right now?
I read 5:46:41
